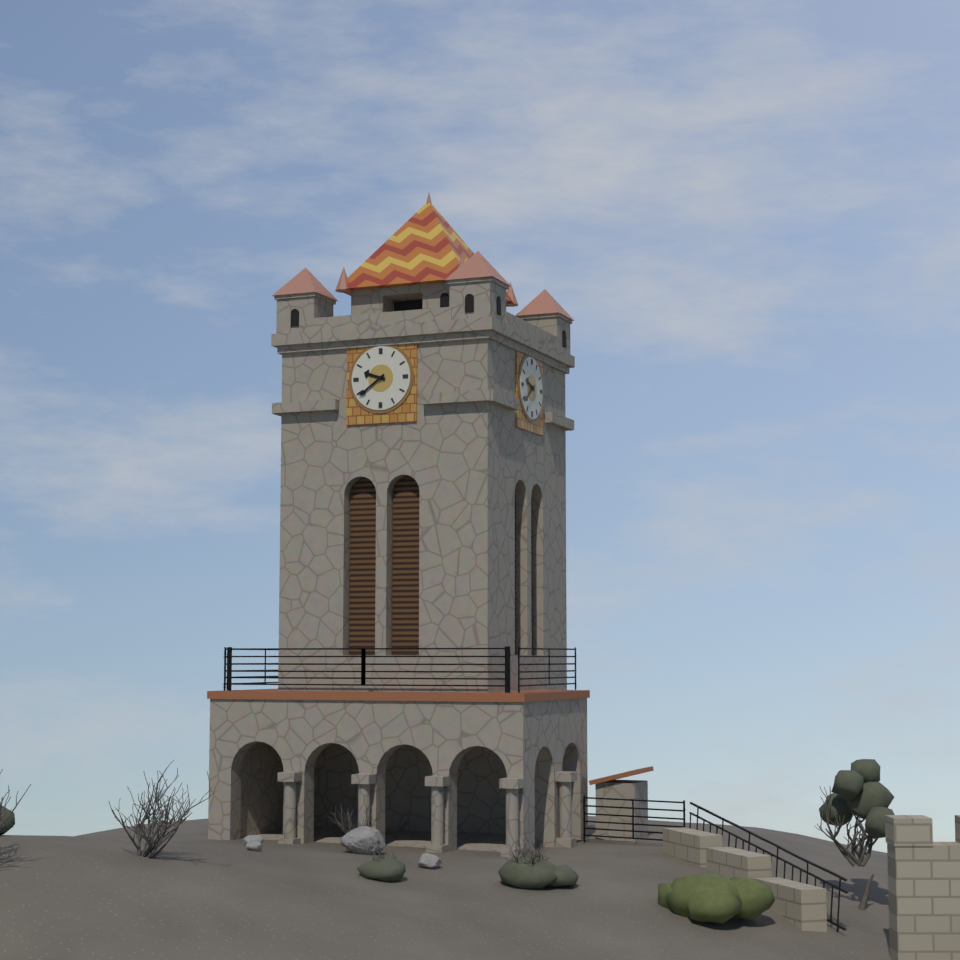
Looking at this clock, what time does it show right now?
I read 9:39
